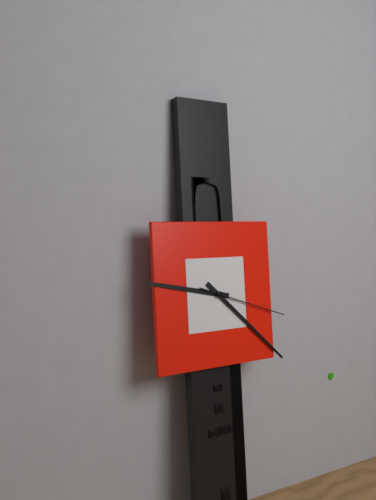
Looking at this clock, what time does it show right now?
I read 9:22:18
